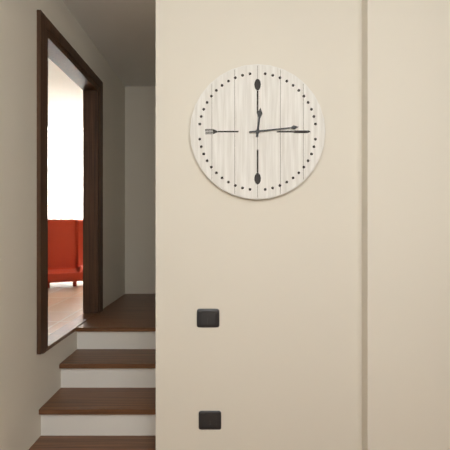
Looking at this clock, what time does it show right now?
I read 12:14
